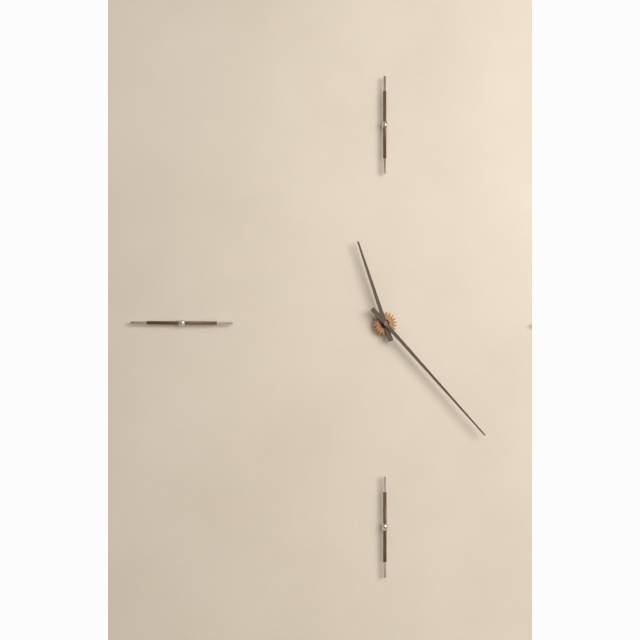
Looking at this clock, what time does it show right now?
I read 11:23
